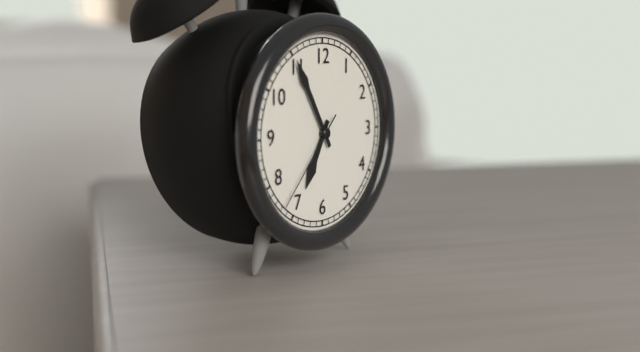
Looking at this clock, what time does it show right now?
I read 6:55:37
